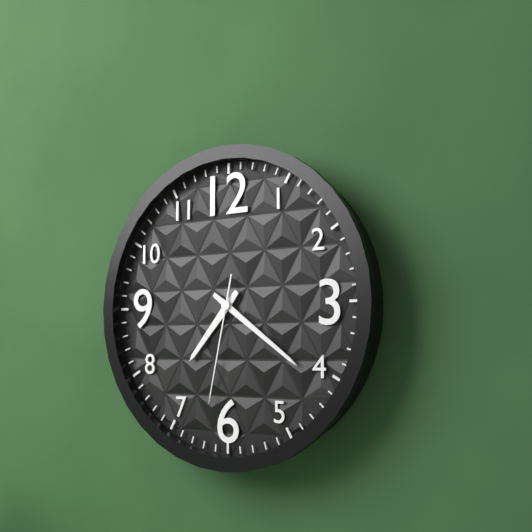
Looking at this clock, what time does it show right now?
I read 7:21:32
